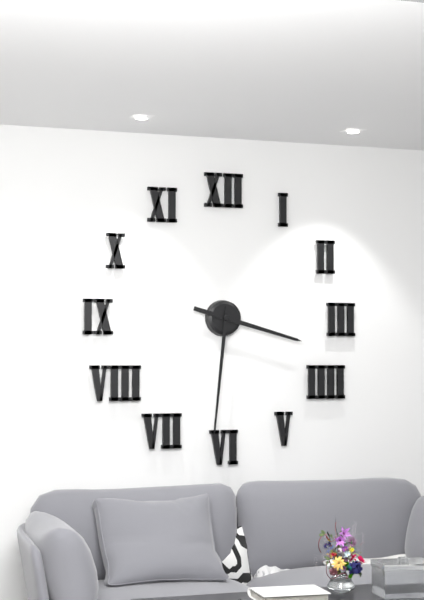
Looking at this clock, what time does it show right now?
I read 3:31
